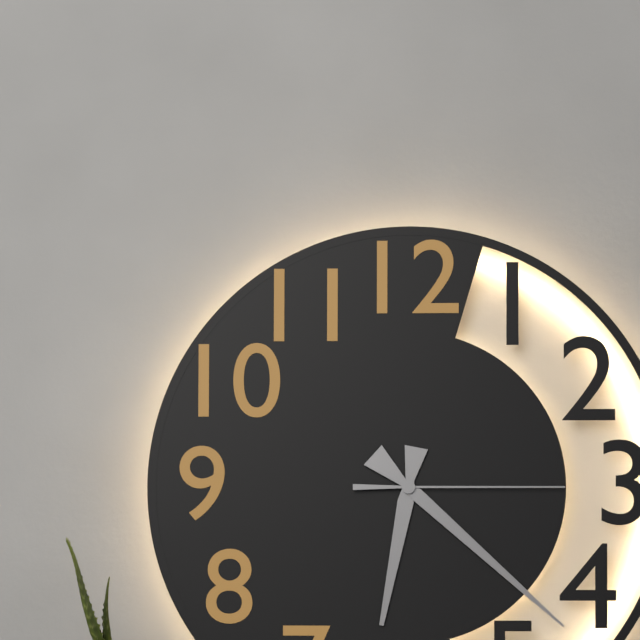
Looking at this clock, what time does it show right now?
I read 6:22:15
